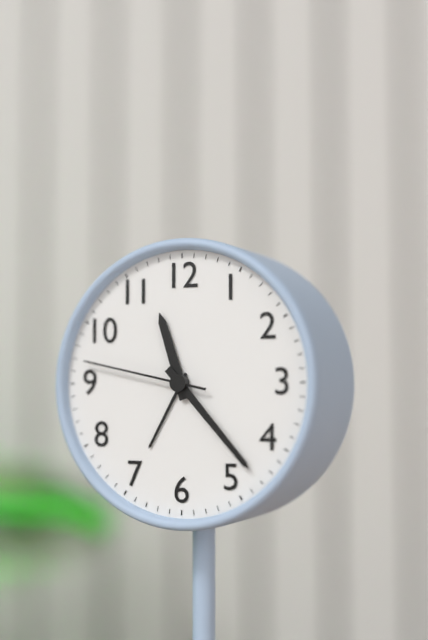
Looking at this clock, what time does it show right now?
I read 11:23:47
